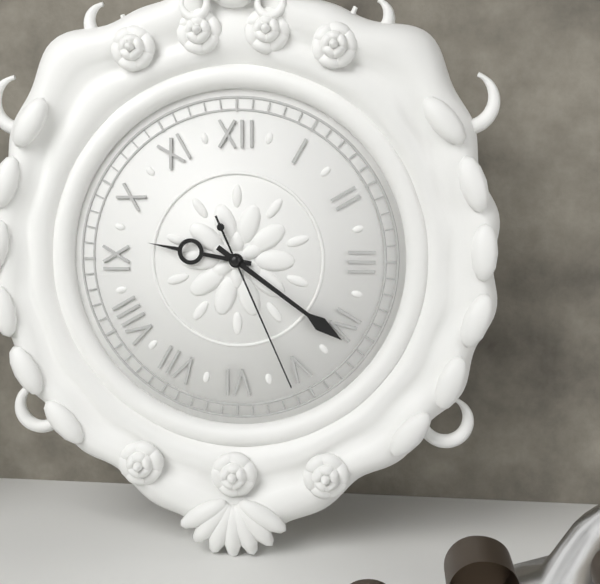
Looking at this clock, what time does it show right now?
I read 9:21:26
